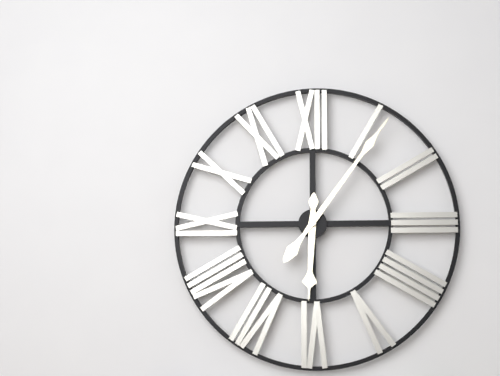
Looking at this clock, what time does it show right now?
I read 6:06
